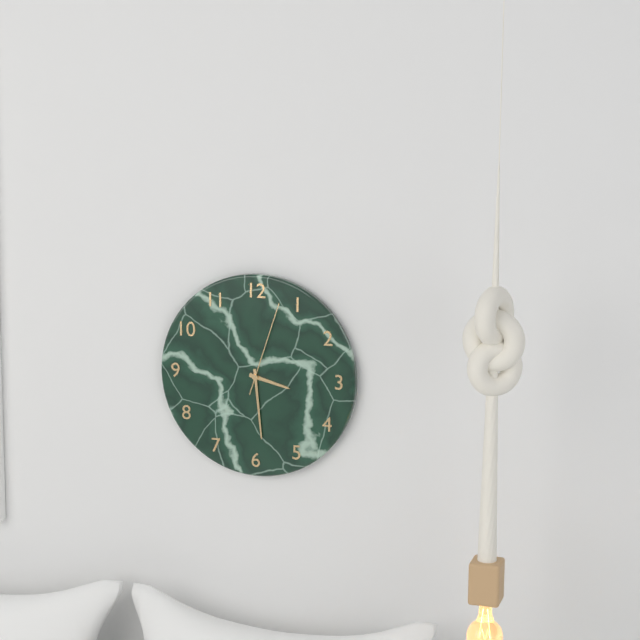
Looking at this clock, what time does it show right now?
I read 3:29:03
